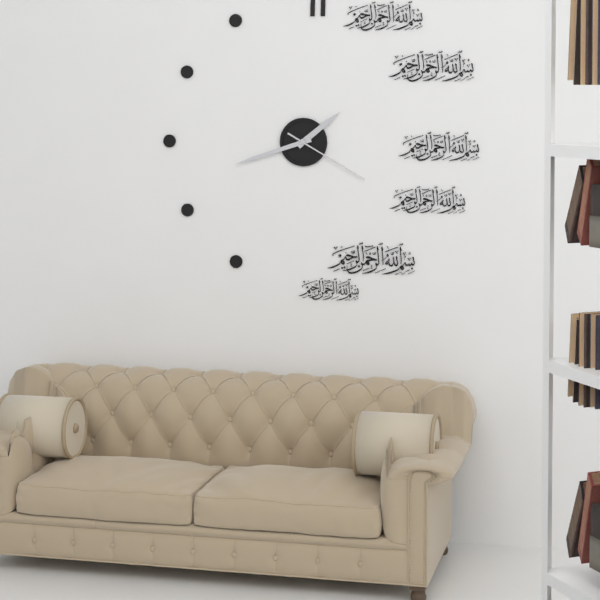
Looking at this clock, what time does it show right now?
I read 1:42:20
